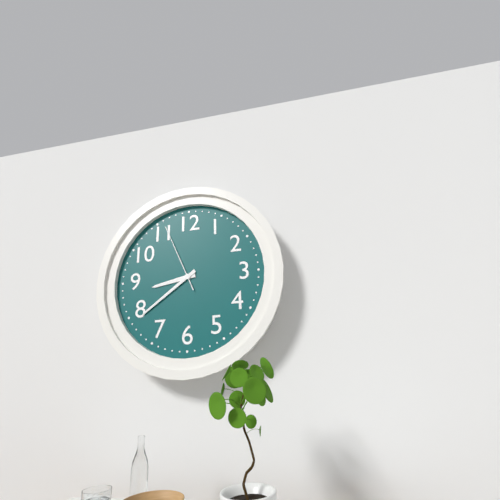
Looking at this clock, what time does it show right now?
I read 8:39:56
